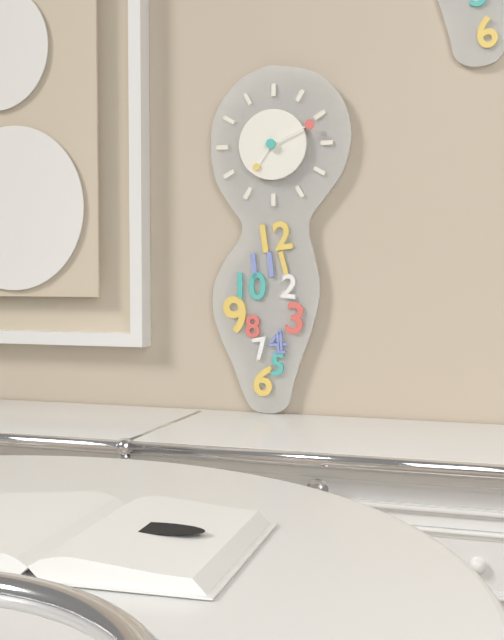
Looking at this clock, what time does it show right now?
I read 7:11
